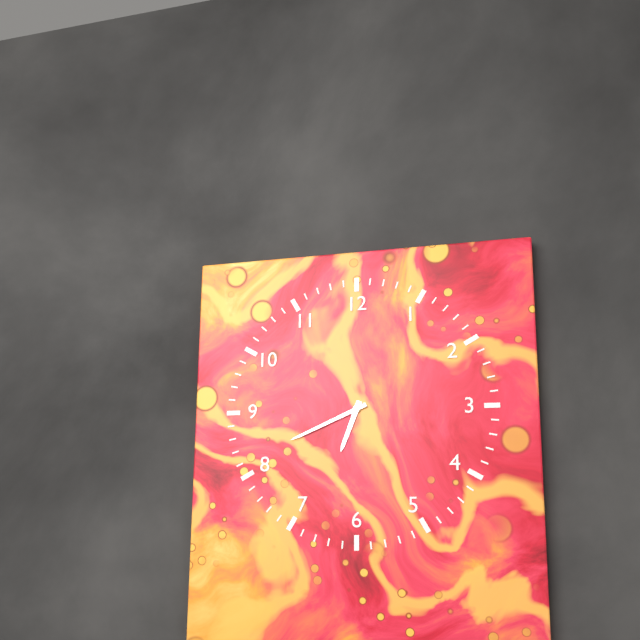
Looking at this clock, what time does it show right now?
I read 6:41
